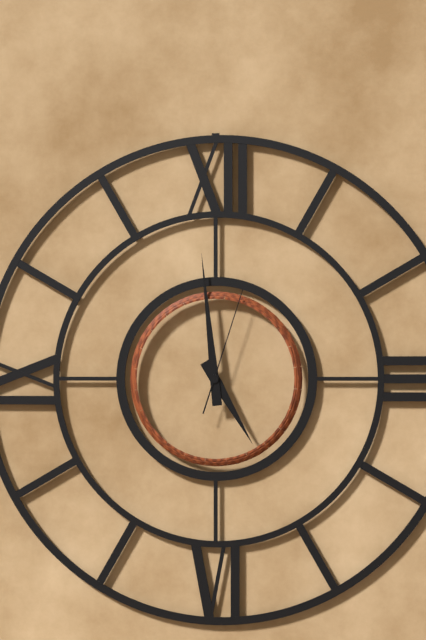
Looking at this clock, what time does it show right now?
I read 4:59:03
